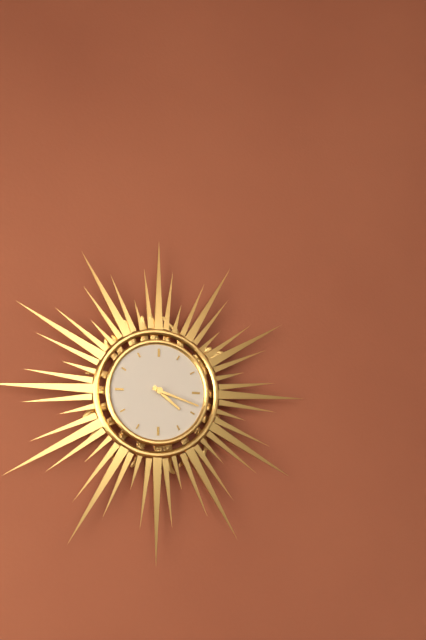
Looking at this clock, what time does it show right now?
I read 4:18
